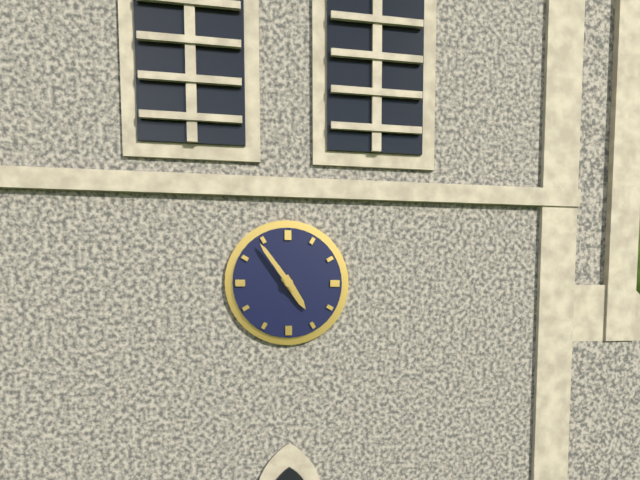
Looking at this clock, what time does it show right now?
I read 4:54
